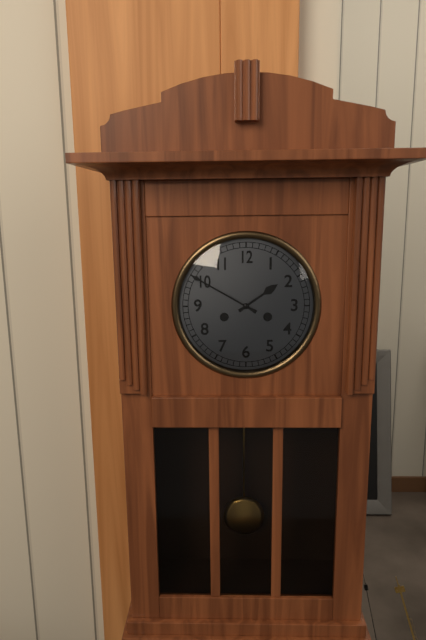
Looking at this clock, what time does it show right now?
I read 1:50
